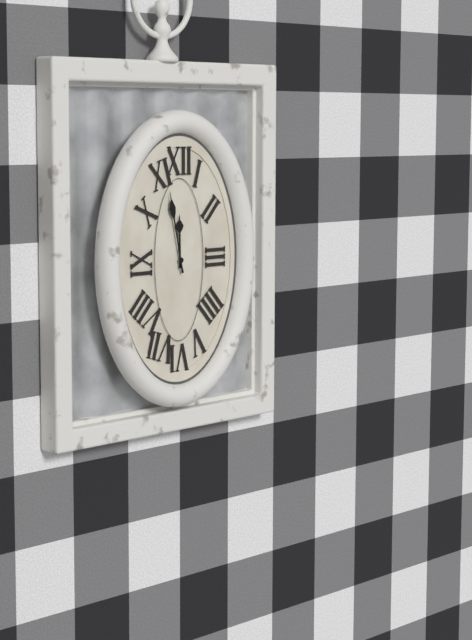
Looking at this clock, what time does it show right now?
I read 11:58
